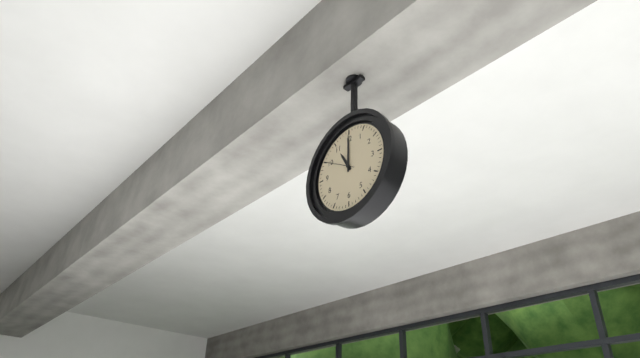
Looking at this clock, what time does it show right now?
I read 11:00
